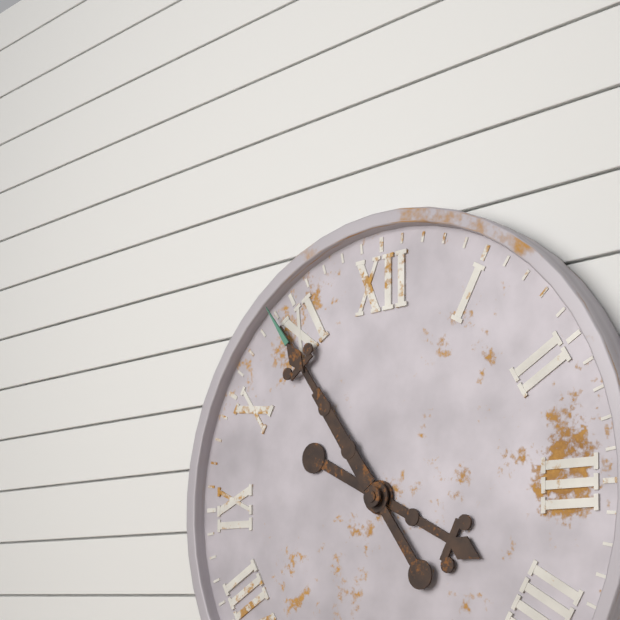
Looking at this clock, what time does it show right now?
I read 3:54
